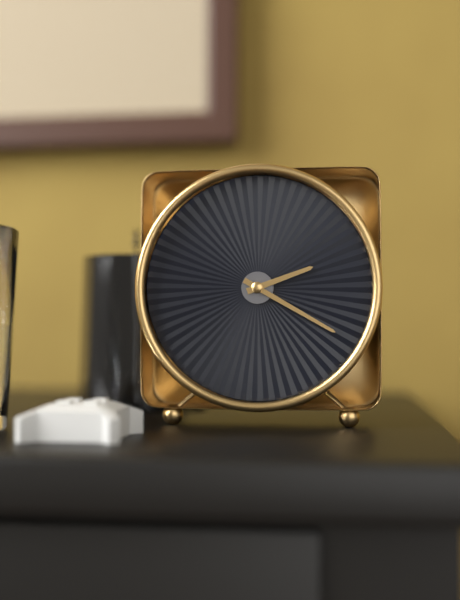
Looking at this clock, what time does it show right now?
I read 2:20
